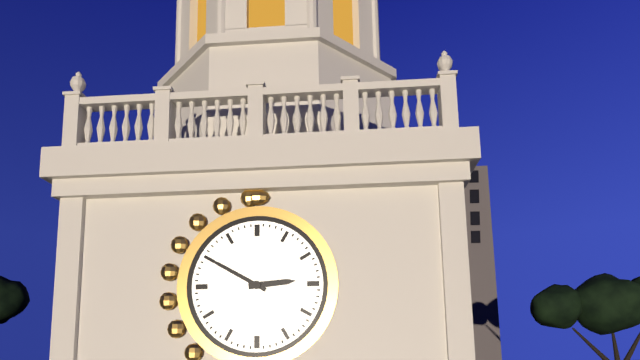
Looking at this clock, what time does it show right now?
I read 2:50
